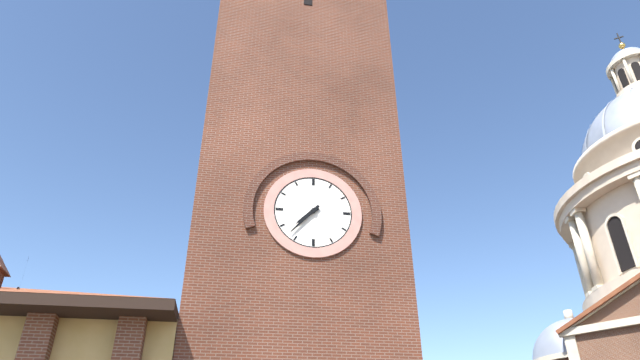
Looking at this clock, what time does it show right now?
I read 7:37
